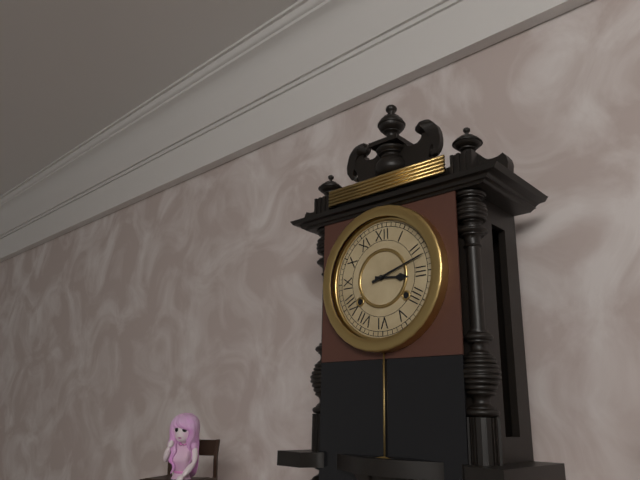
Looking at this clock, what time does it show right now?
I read 3:12
